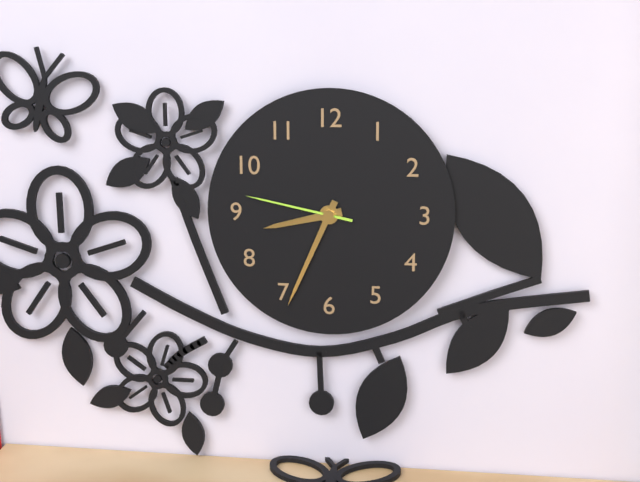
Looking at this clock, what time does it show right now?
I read 8:34:47
